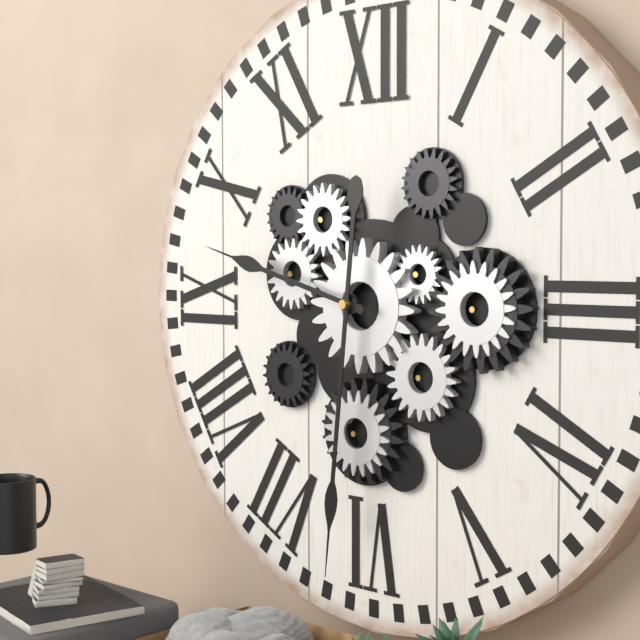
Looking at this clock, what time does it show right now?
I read 9:31
